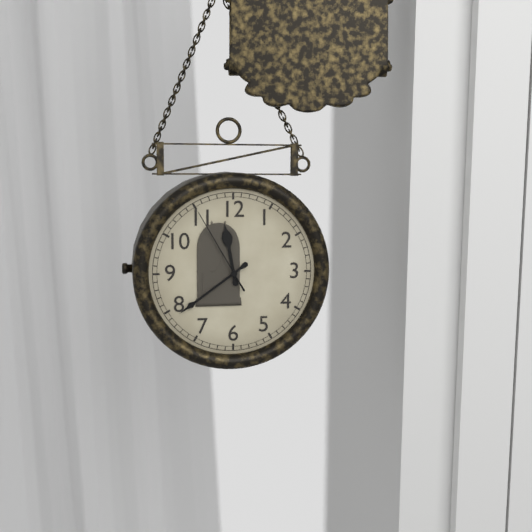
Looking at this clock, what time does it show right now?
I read 11:39:55
